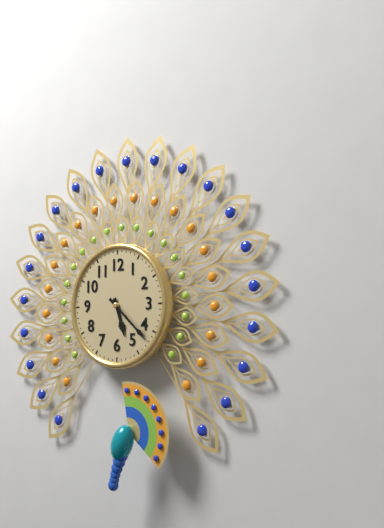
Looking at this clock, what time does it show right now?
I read 5:22
